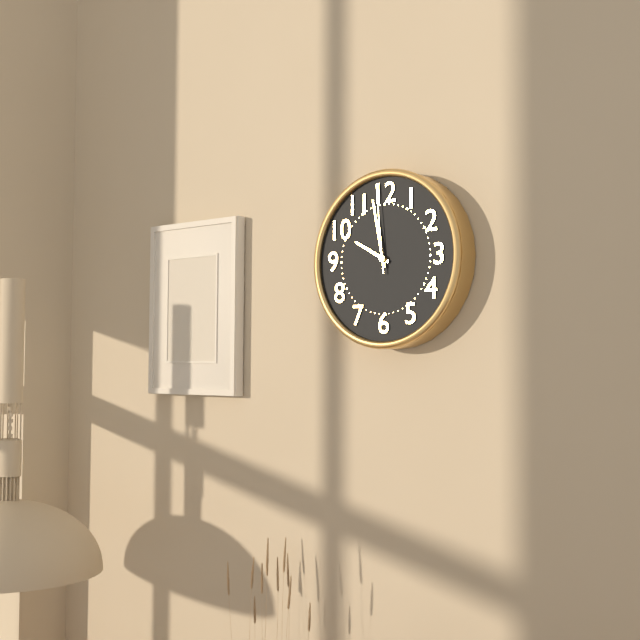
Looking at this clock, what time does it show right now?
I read 9:58:59
